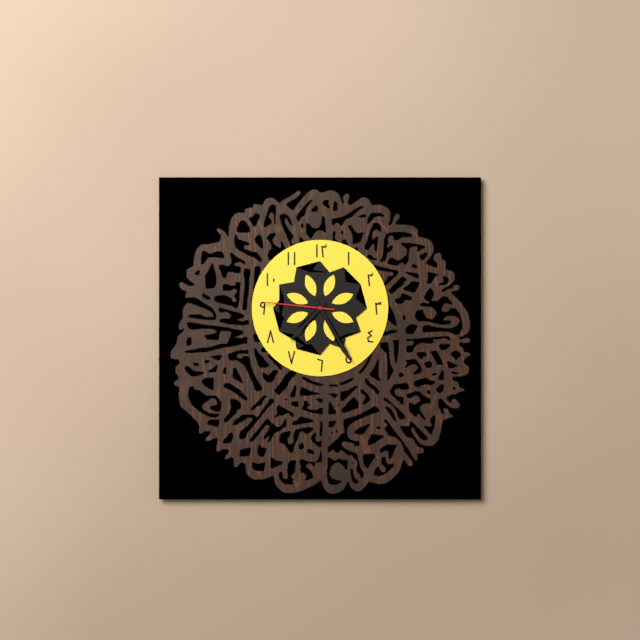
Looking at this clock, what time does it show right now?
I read 7:25:46
